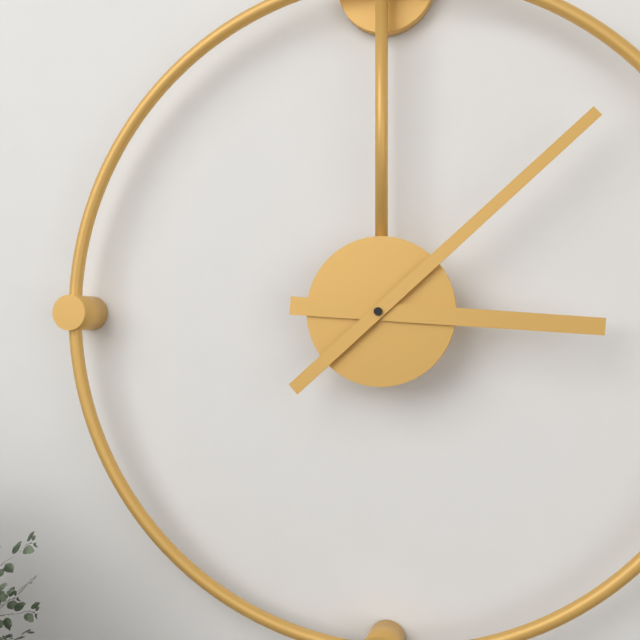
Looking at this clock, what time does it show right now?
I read 3:08
